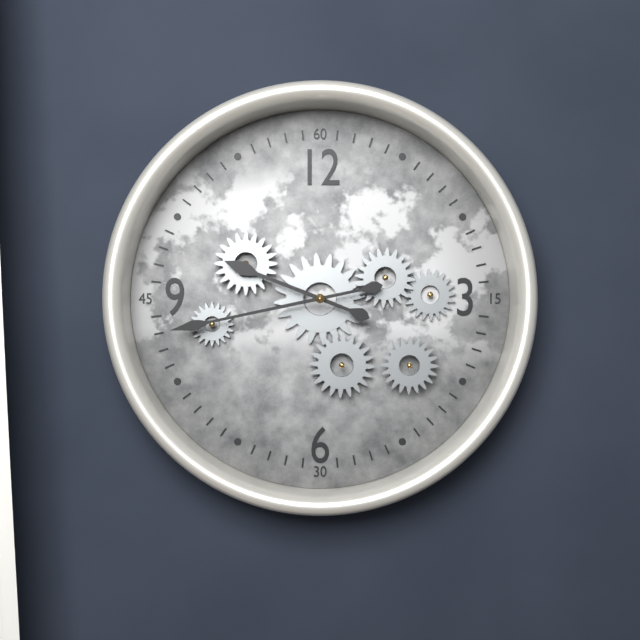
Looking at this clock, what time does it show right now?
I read 9:43
